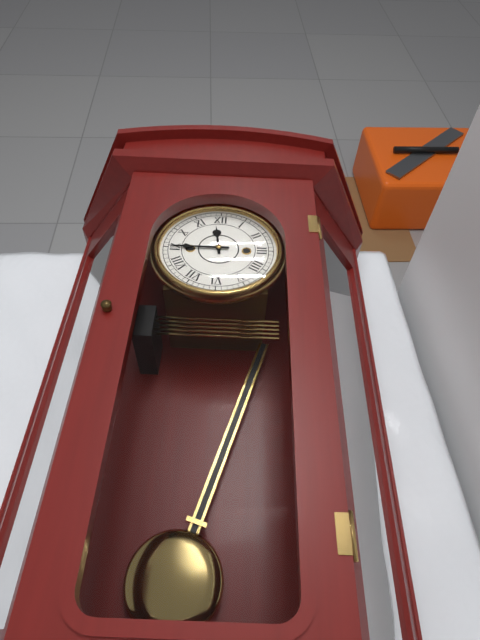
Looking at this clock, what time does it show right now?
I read 11:45
